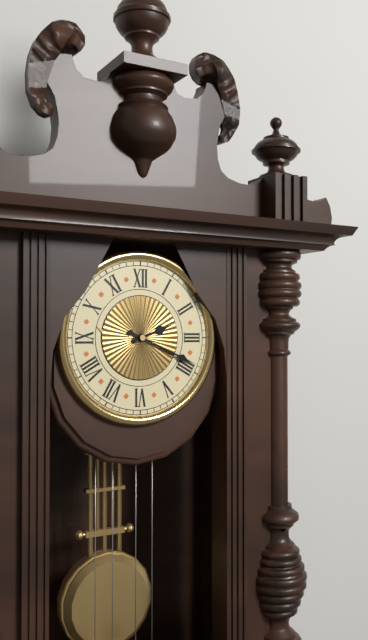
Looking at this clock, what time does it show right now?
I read 2:19
